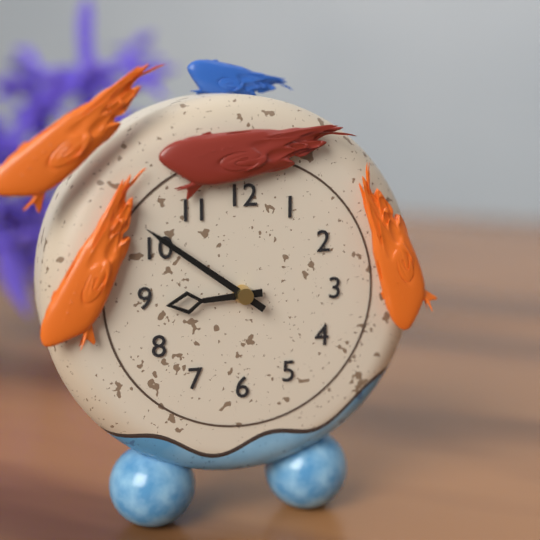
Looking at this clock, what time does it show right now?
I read 8:51
